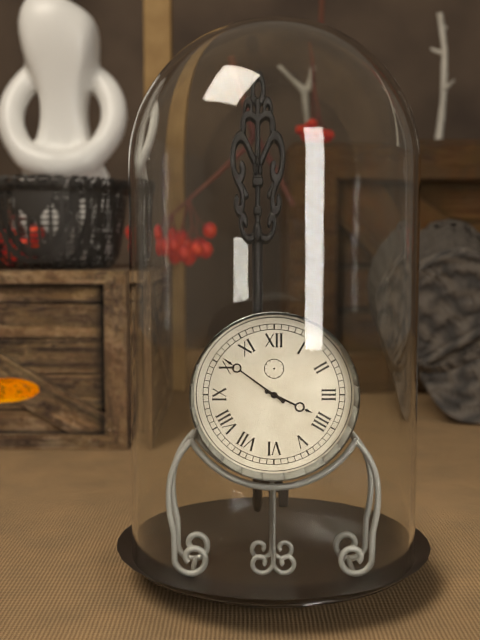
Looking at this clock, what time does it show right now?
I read 3:51
